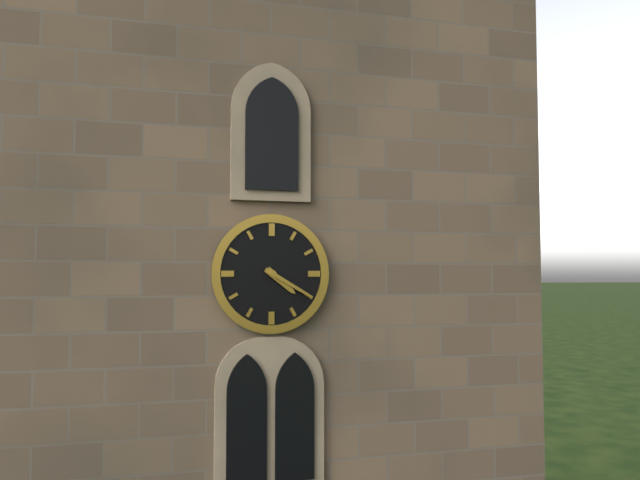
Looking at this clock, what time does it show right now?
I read 4:20
